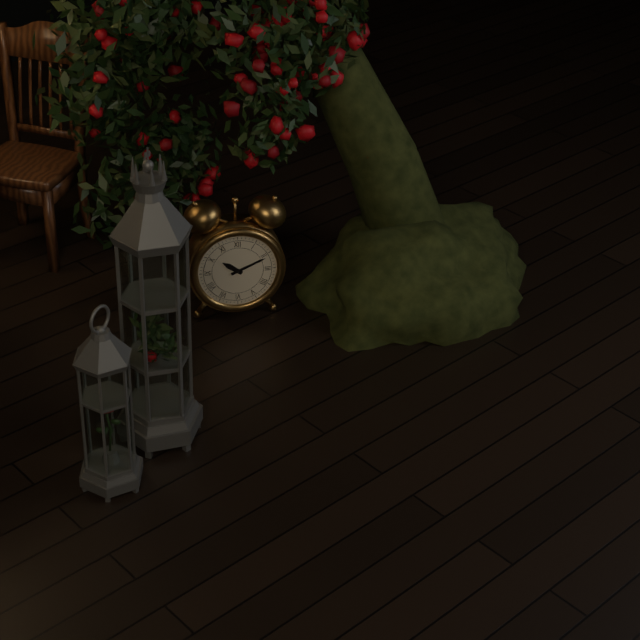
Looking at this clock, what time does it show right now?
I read 10:11
